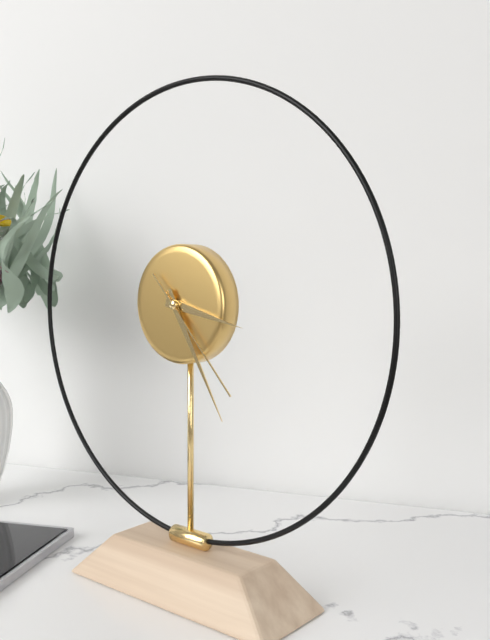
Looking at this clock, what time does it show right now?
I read 3:25:23
